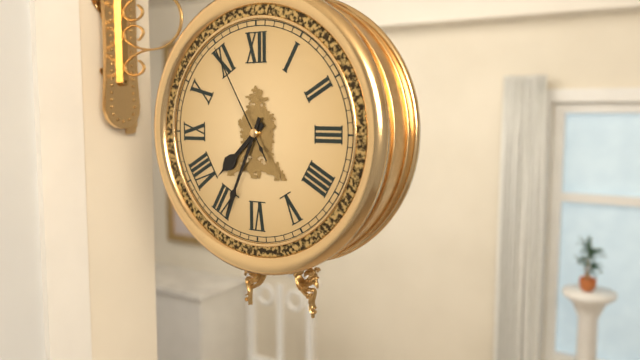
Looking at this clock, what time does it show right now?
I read 7:34:55
